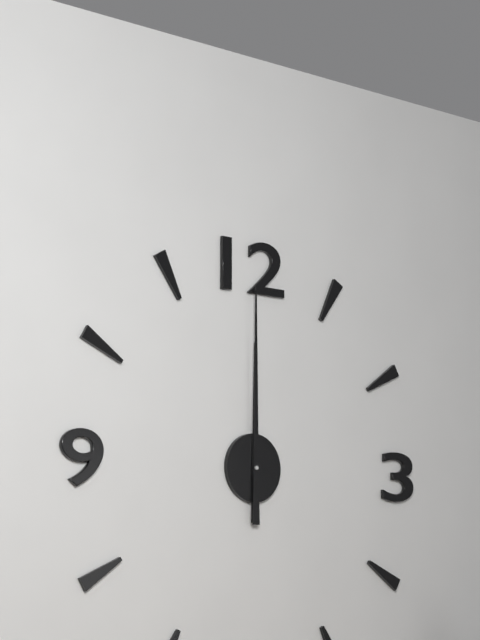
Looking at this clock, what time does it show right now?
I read 12:00
